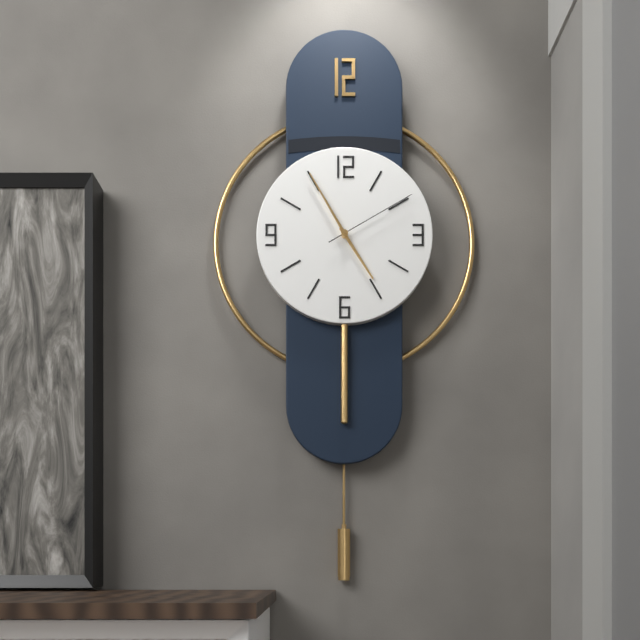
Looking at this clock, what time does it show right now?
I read 4:55:10
